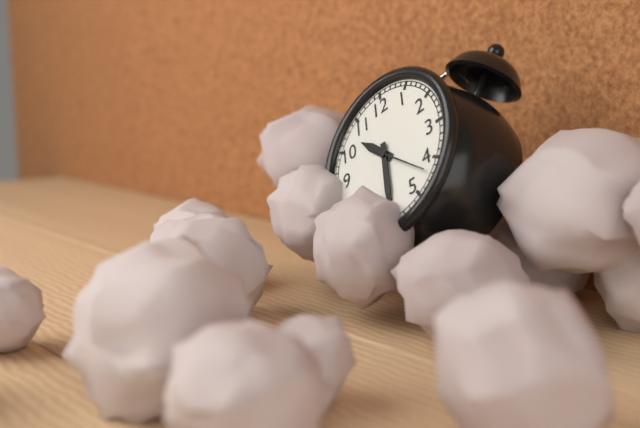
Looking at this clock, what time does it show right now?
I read 10:30:22
